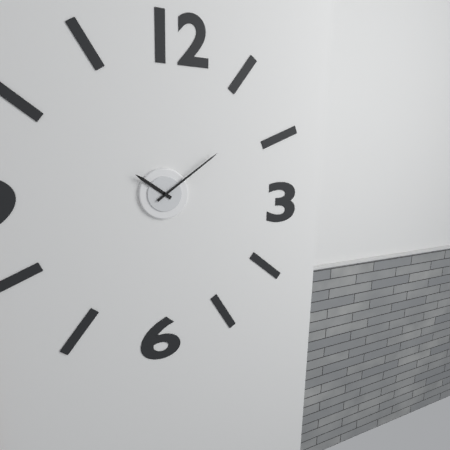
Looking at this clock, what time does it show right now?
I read 10:09
